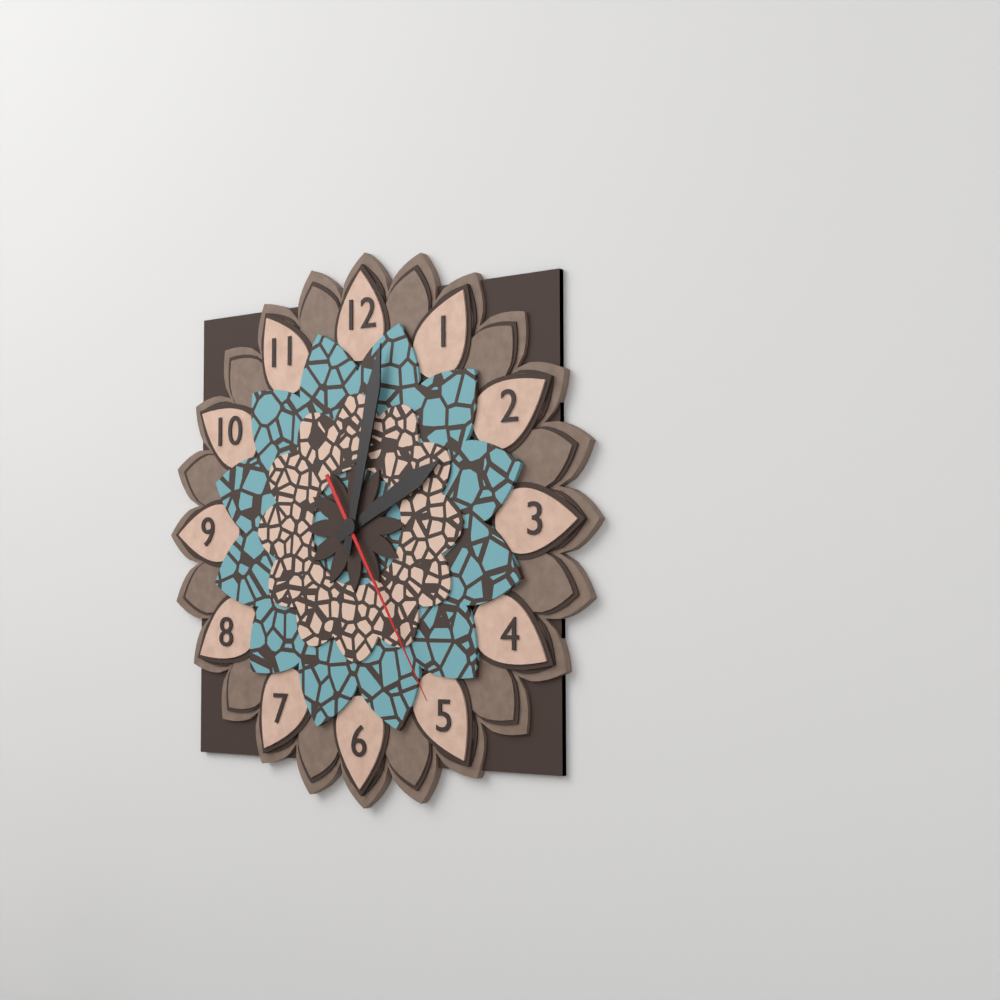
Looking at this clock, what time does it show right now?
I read 2:02:25
